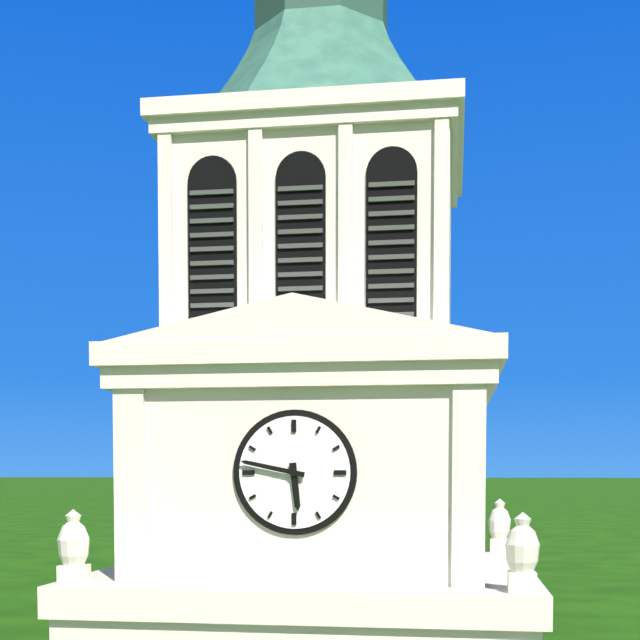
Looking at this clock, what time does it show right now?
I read 5:47
